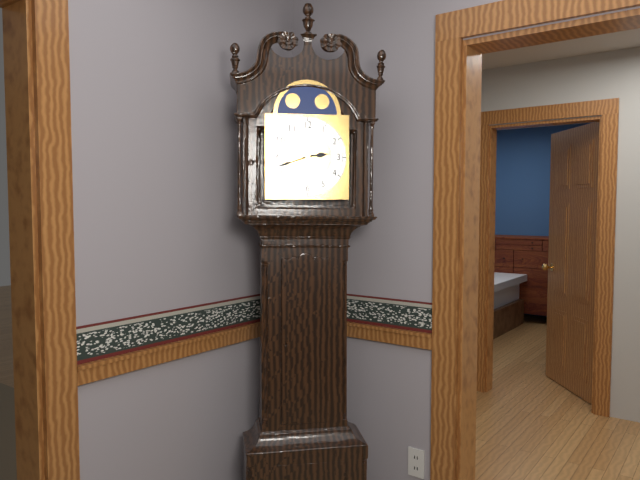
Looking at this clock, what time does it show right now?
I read 2:42
